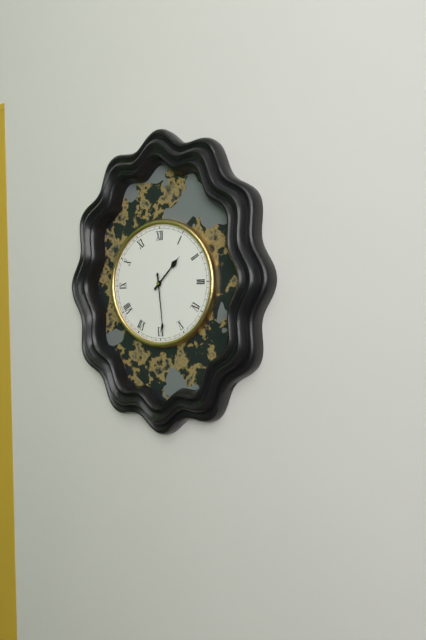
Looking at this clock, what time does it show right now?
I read 1:29
